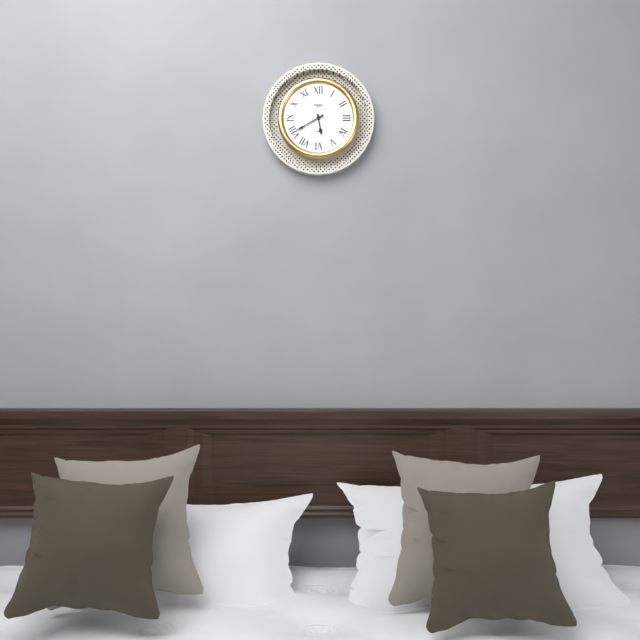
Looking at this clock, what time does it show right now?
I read 5:40
